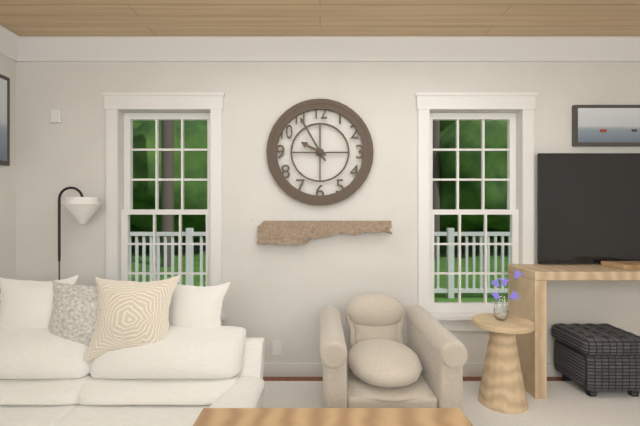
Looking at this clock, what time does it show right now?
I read 9:55
